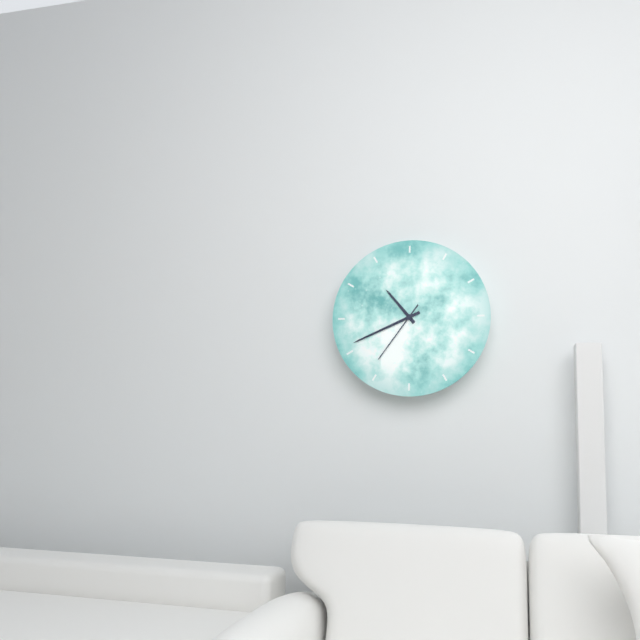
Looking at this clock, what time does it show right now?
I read 10:41:36
